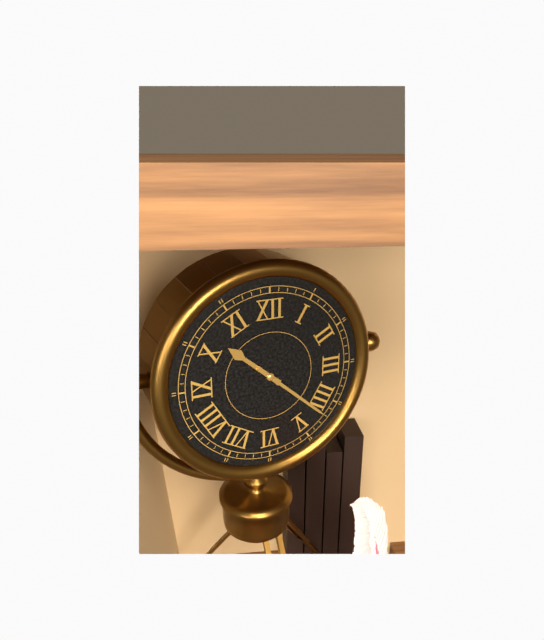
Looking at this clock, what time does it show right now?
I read 10:22
